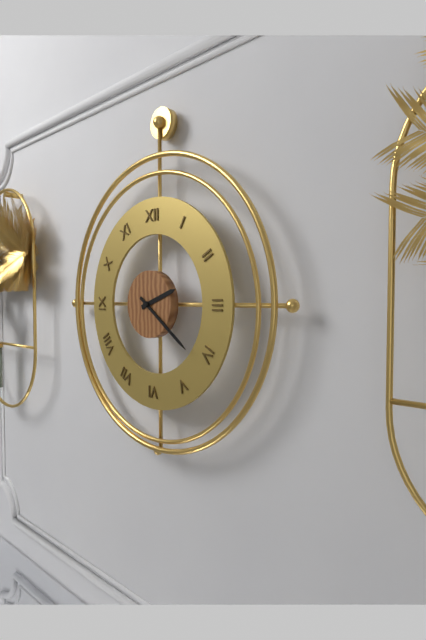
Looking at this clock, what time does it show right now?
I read 2:21
